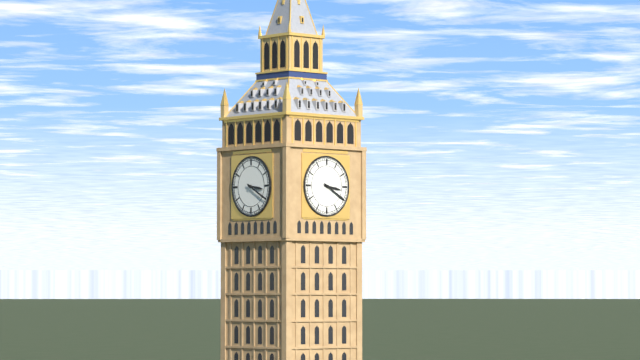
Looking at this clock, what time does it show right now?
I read 3:20
